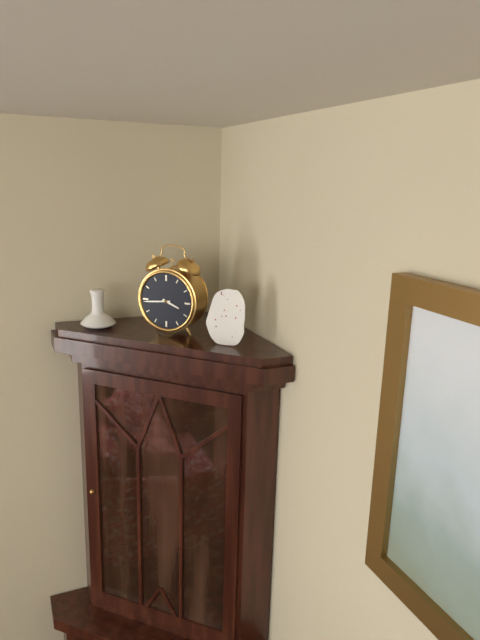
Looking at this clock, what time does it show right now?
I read 3:44
